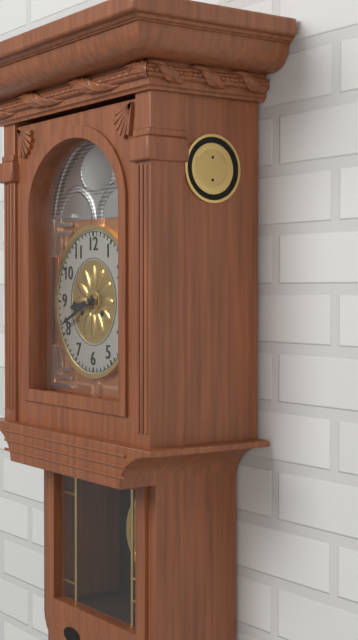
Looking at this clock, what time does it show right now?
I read 8:41
